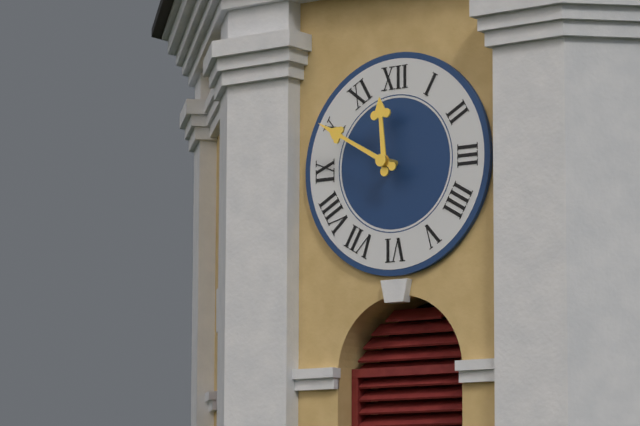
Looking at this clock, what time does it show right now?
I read 11:50
